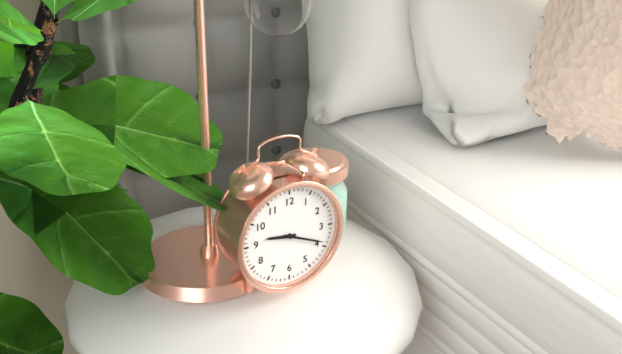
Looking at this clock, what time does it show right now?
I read 9:19
